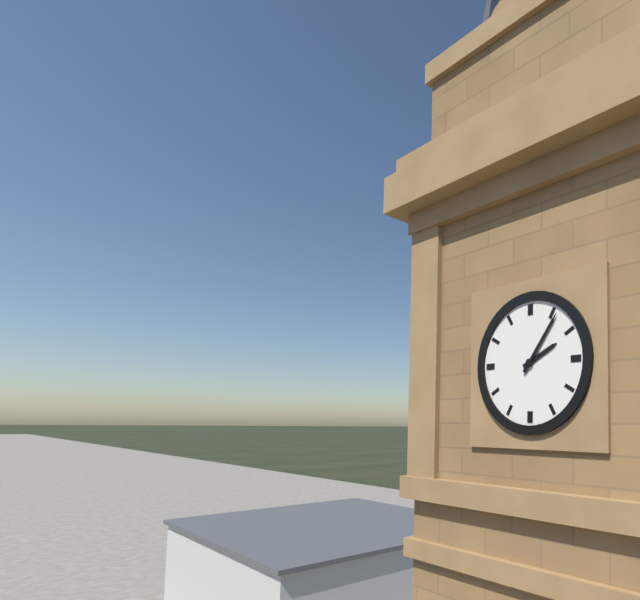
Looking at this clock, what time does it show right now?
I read 2:06
